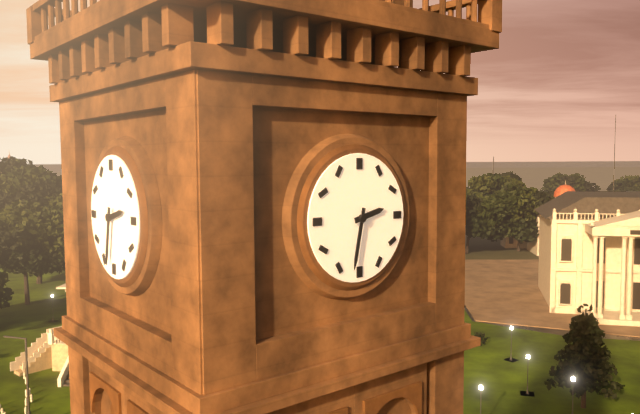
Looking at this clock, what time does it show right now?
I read 2:32
